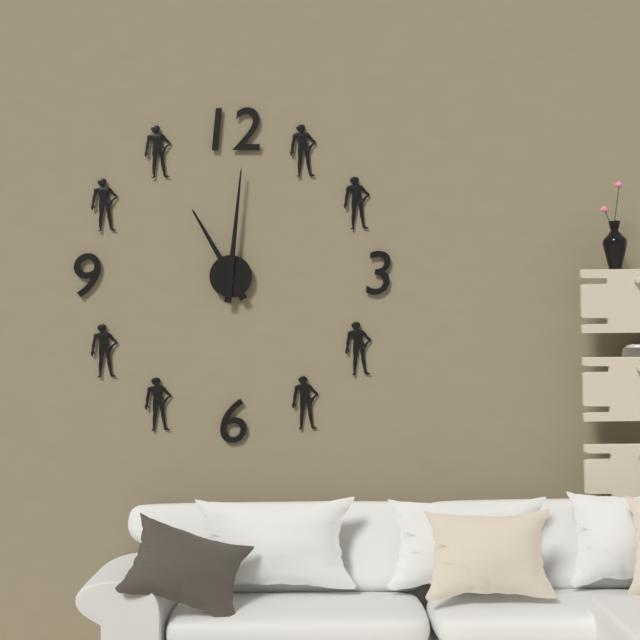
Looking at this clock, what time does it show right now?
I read 11:01
